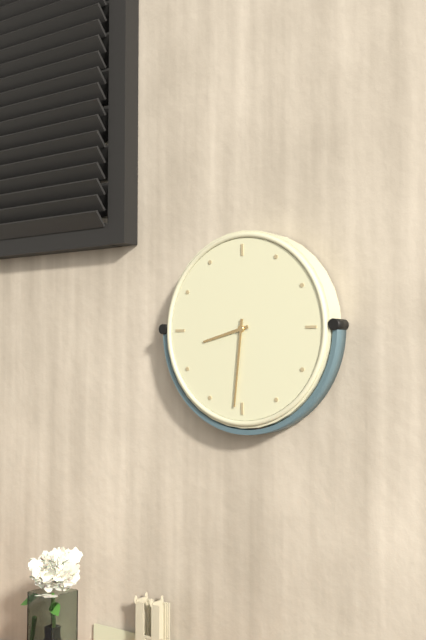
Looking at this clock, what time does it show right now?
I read 8:31
